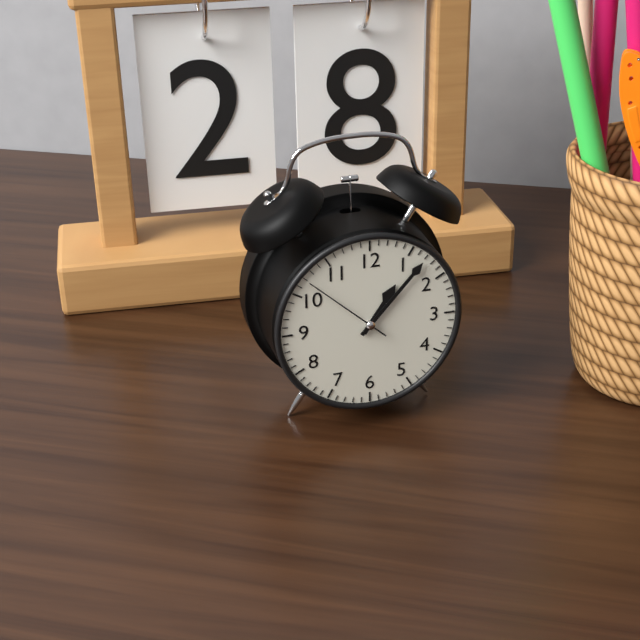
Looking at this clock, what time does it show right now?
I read 1:07:52
